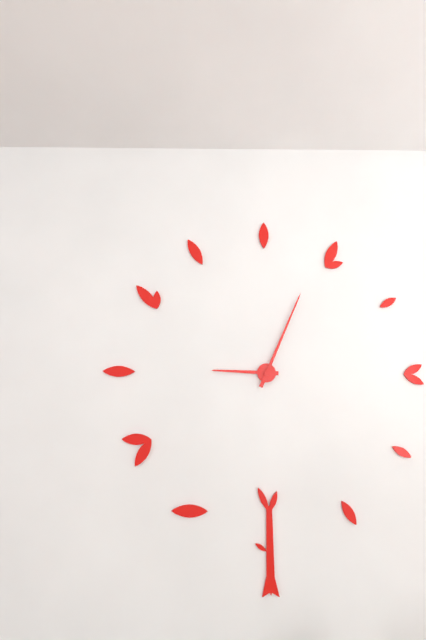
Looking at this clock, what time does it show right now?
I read 9:04
